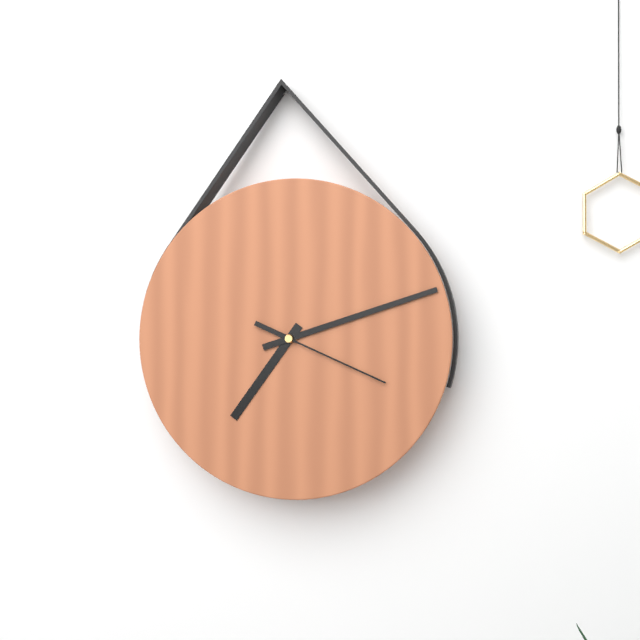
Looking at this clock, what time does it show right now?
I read 7:12:19
